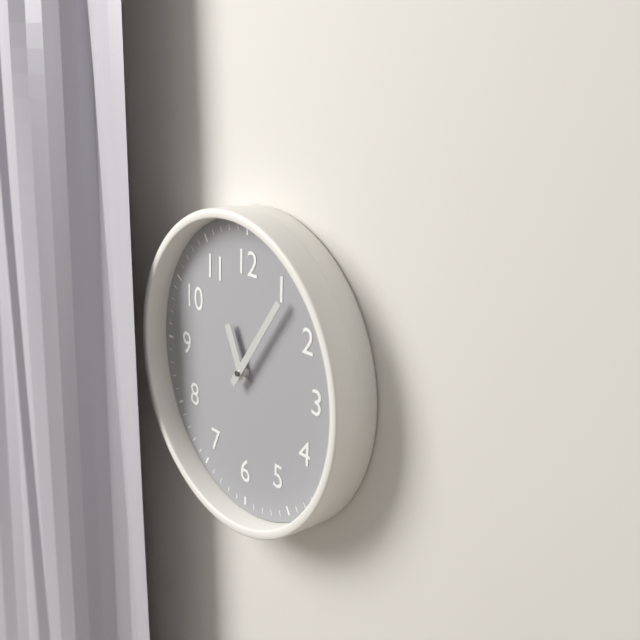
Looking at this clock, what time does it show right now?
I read 11:06
